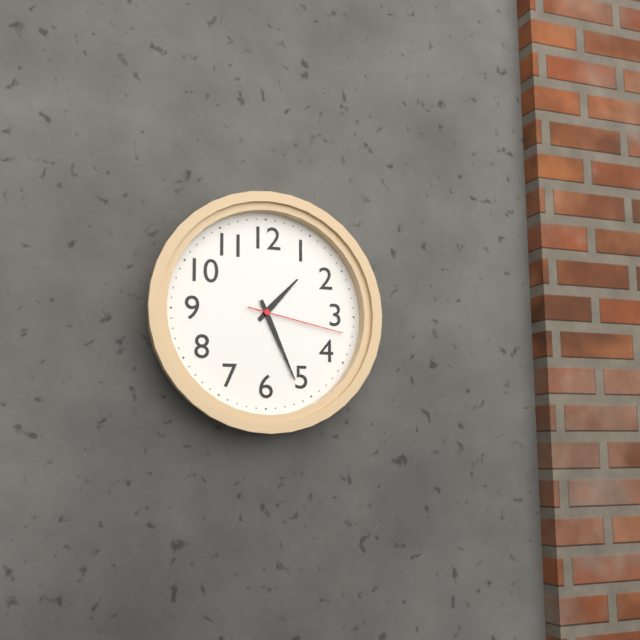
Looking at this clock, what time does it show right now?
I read 1:26:17
